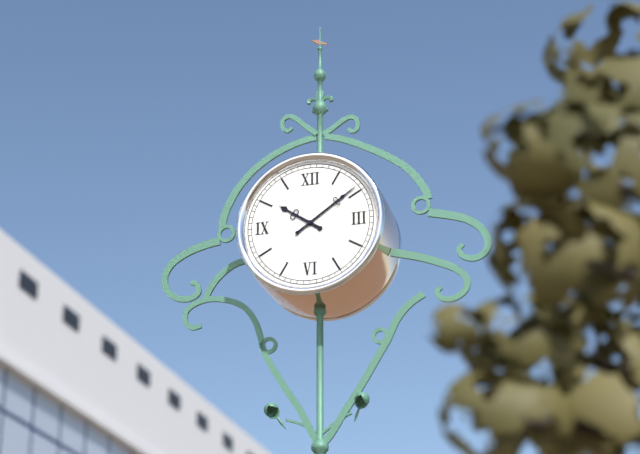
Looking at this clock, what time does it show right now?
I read 10:09
